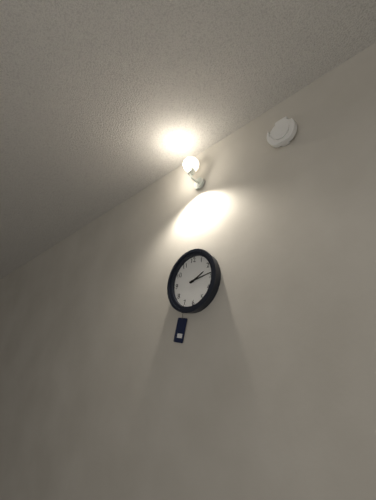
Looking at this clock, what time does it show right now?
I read 2:14
